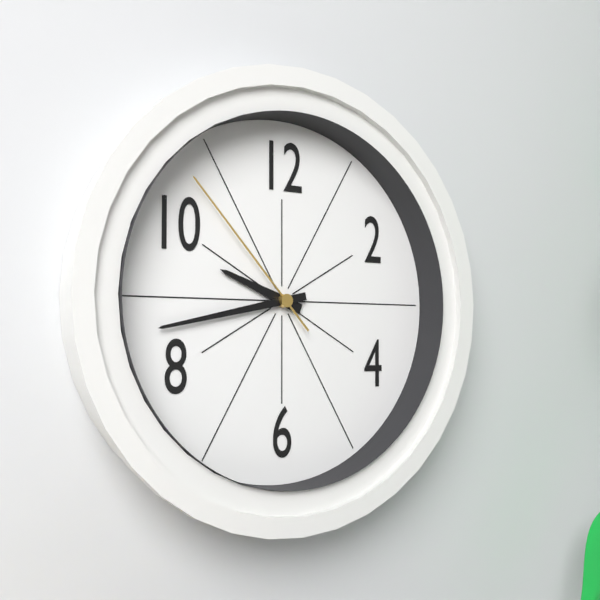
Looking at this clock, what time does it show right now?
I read 9:43:53
